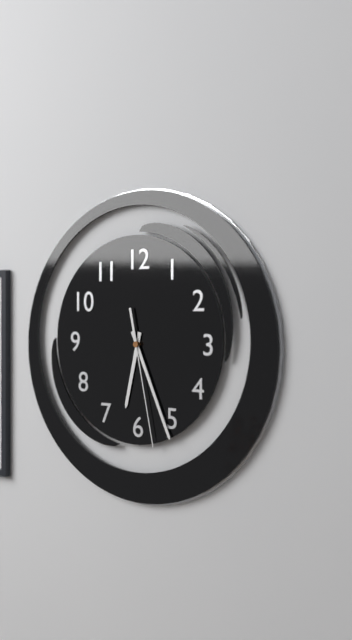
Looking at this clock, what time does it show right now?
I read 6:26:28
